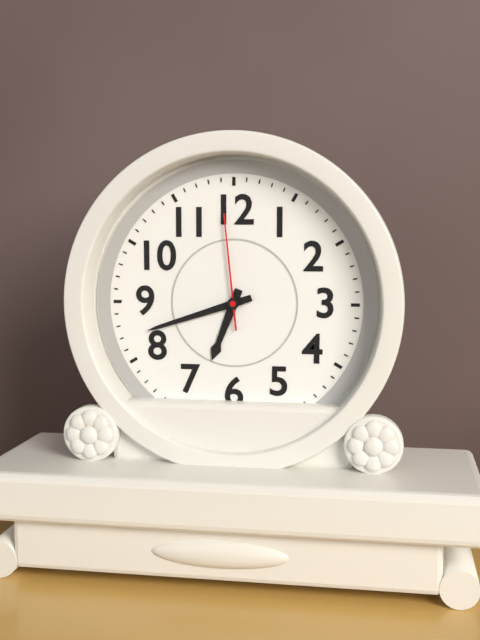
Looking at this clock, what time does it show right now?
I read 6:42:59
